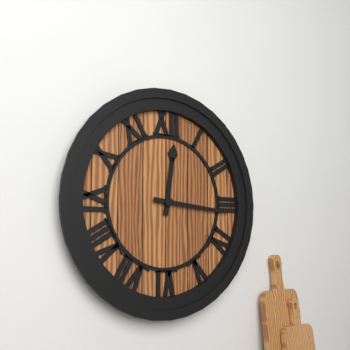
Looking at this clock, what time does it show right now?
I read 12:16
